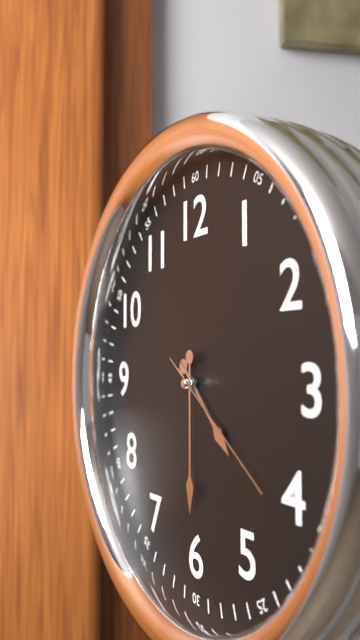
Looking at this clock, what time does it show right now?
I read 4:30:21
